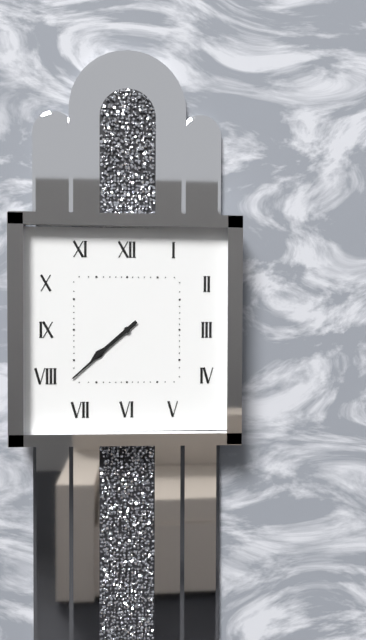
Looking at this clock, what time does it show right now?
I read 7:38
